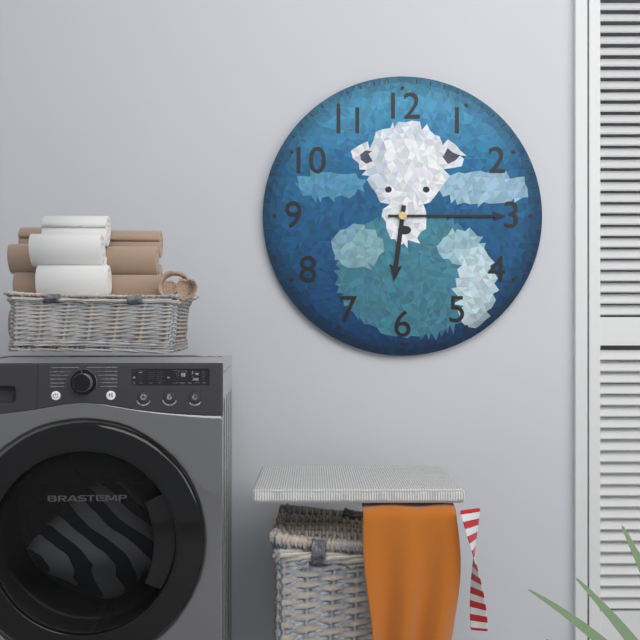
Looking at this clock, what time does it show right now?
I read 6:15
